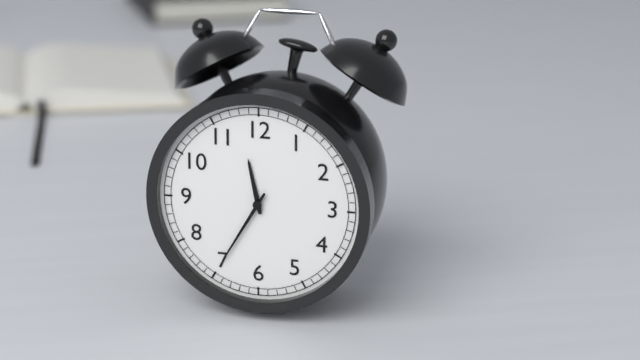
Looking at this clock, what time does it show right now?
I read 11:35
